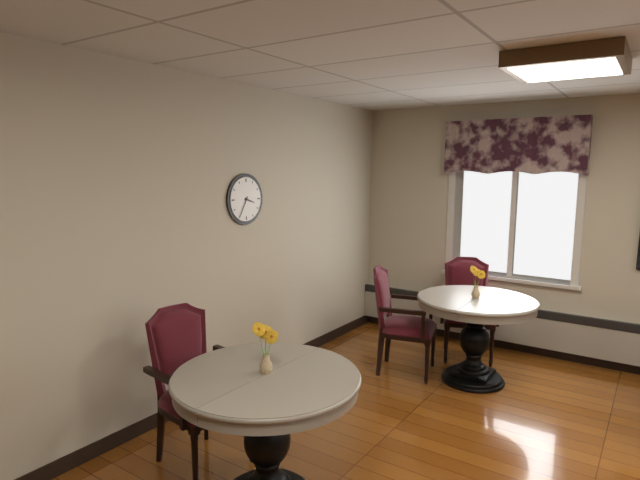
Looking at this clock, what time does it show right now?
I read 3:35
